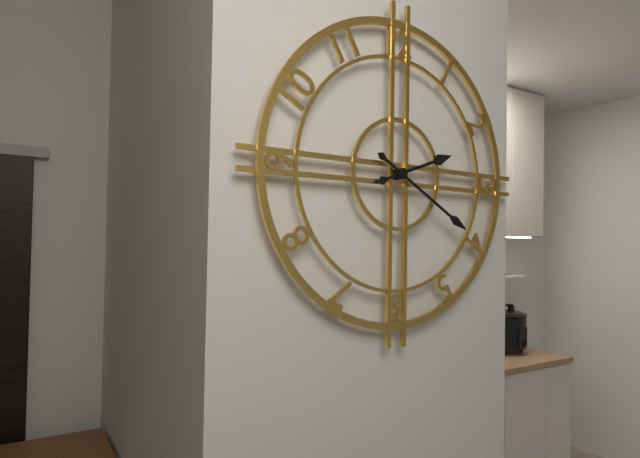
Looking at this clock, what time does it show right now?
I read 2:20
